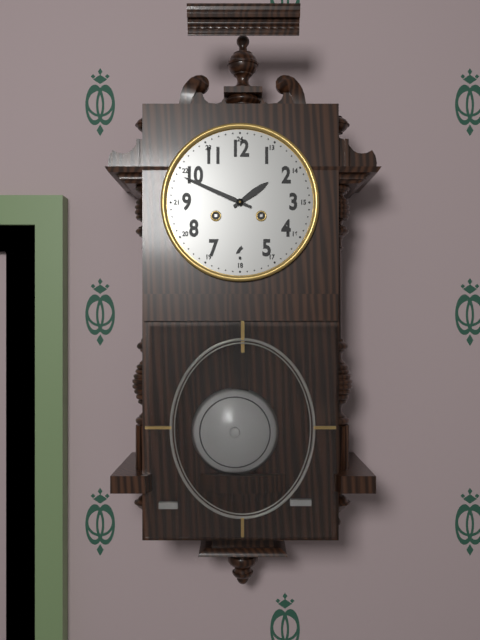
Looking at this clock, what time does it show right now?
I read 1:49
